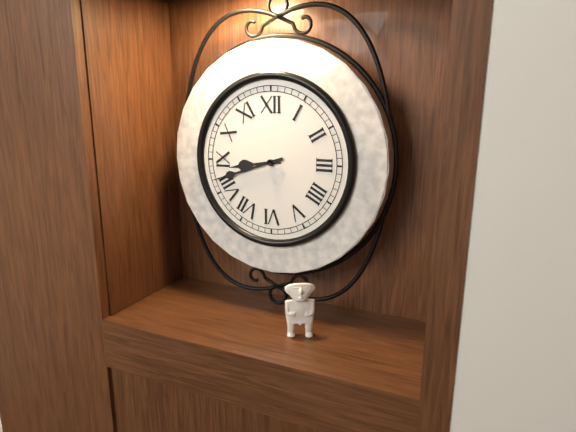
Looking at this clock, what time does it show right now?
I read 8:42
